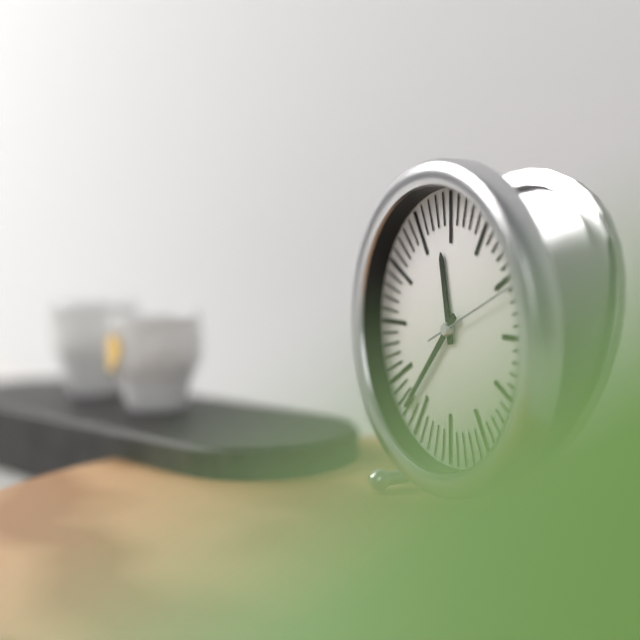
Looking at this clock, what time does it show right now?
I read 11:37:11
